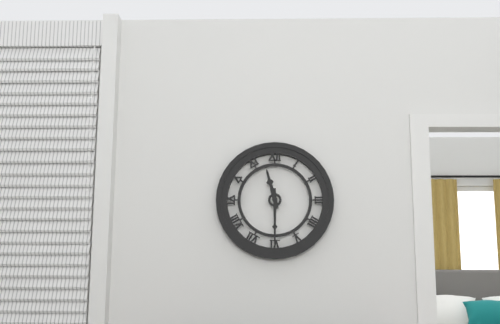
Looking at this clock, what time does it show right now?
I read 11:30
